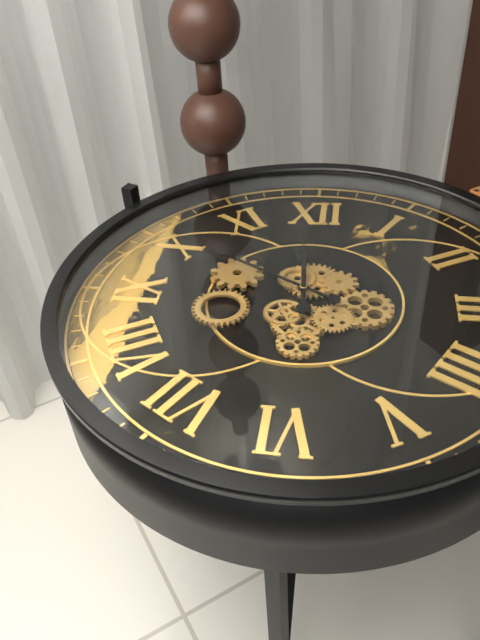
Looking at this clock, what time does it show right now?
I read 11:50
